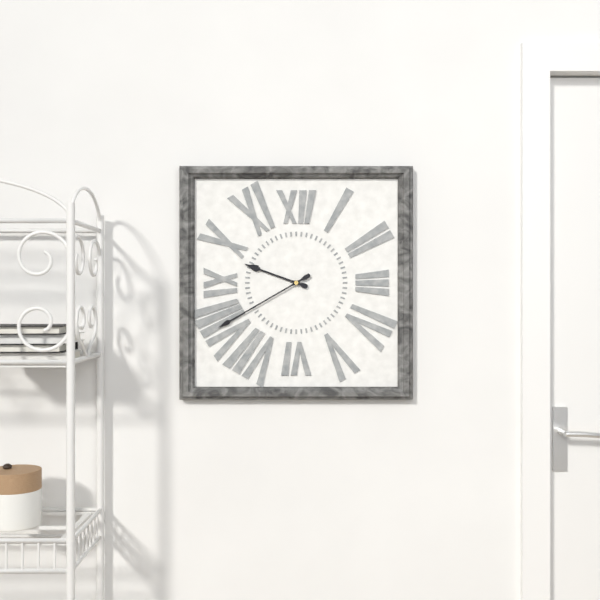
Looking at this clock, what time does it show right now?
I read 9:40
